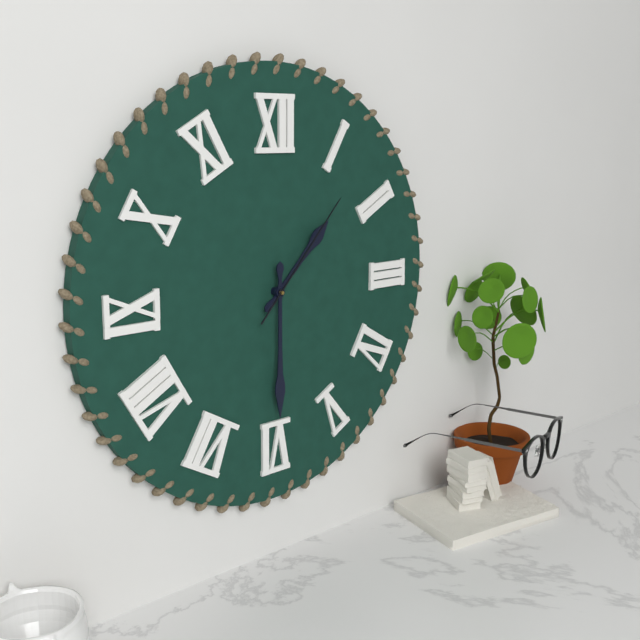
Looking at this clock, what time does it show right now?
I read 1:30:07
